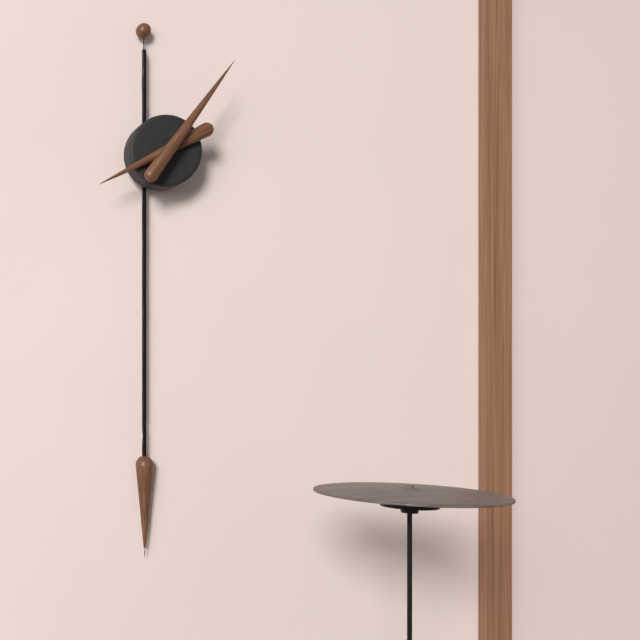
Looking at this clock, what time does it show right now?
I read 8:06
